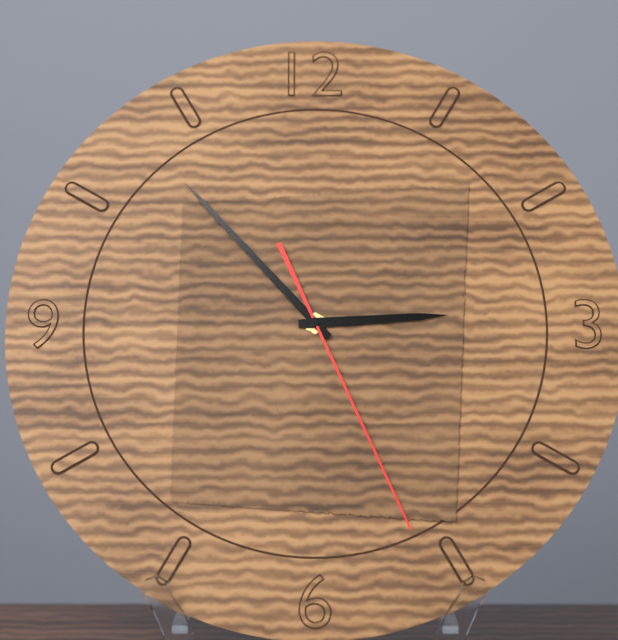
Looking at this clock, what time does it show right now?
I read 2:53:26
